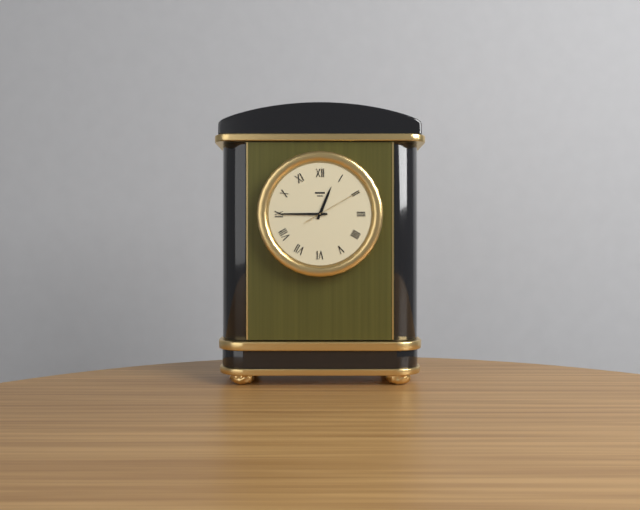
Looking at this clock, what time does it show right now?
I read 12:45:10
